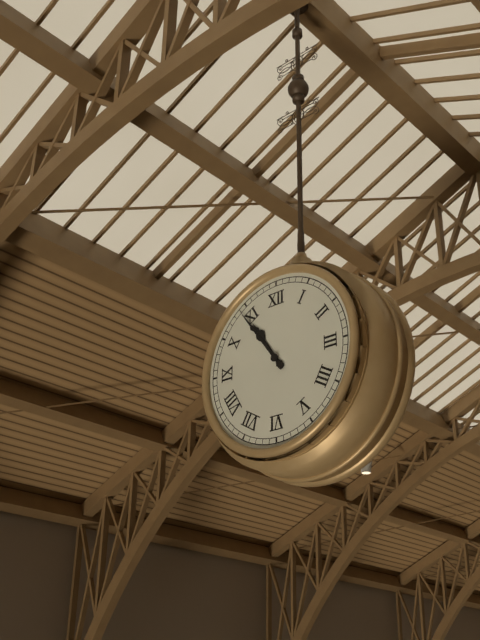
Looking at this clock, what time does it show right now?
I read 10:54
